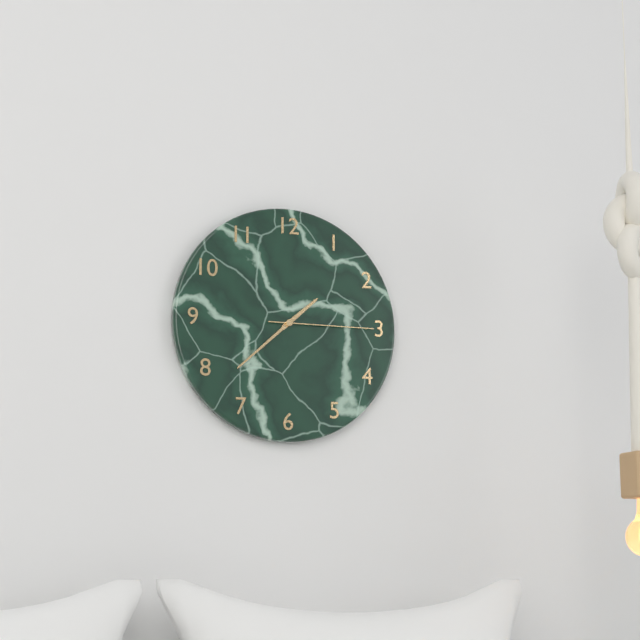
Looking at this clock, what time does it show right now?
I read 1:38:15
